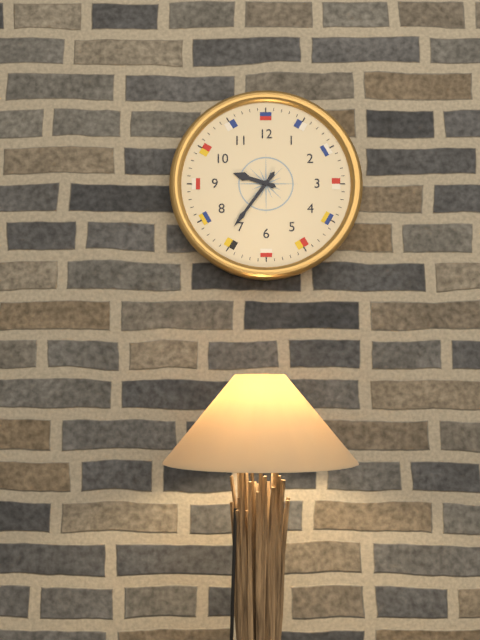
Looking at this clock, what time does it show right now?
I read 9:36
